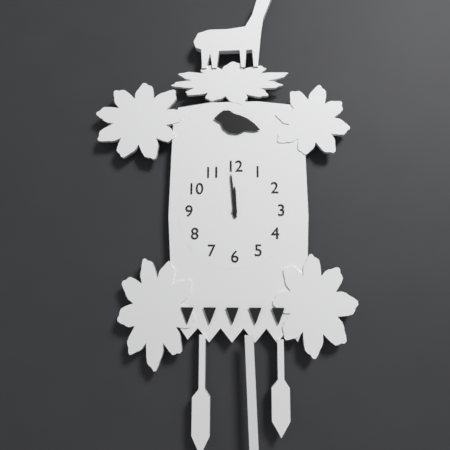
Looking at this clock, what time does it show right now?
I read 11:59
